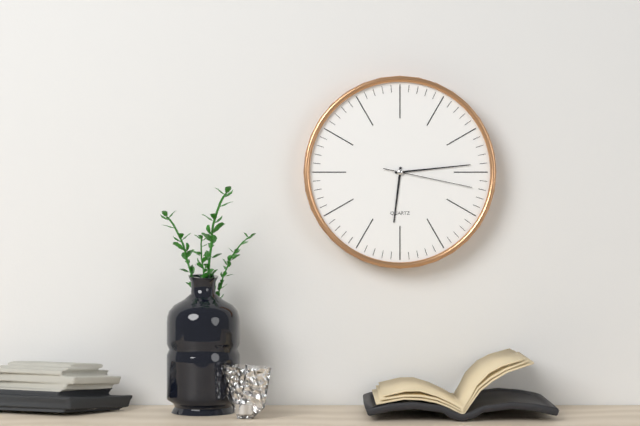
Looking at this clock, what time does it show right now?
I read 6:14:17
